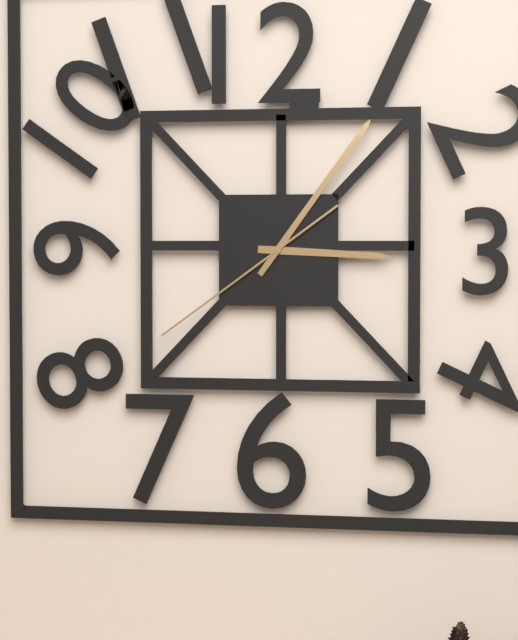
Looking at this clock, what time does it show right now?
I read 3:06:39
